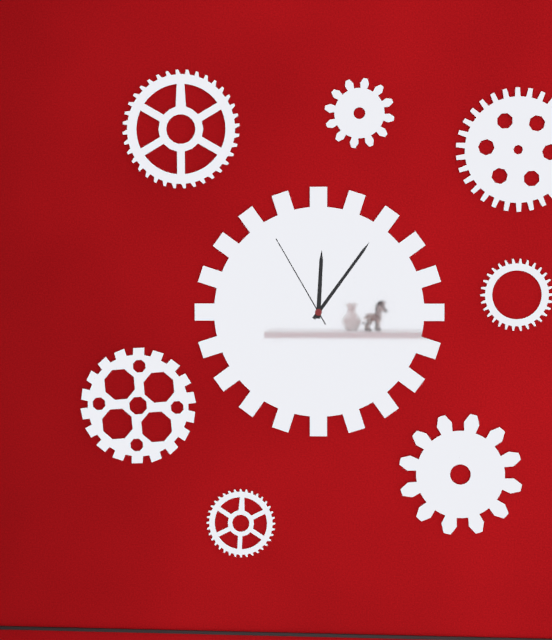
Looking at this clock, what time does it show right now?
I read 12:06:55
